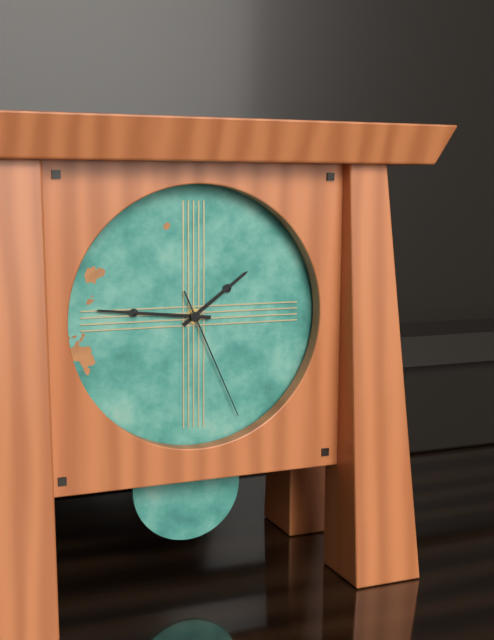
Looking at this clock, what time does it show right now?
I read 1:46:26
